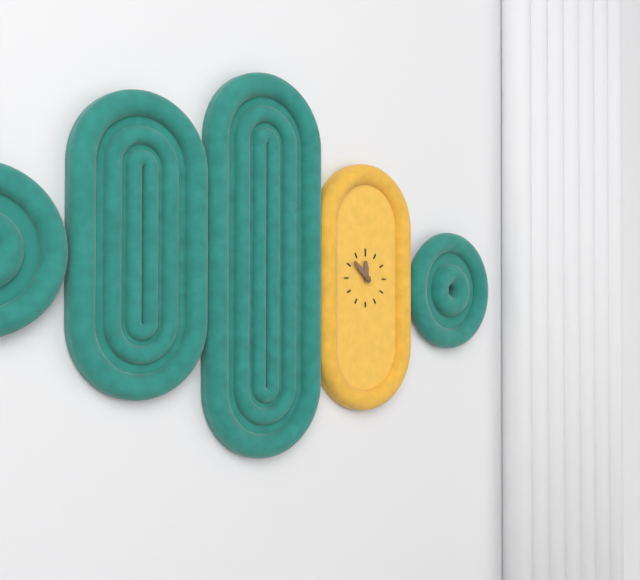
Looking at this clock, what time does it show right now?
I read 11:52
